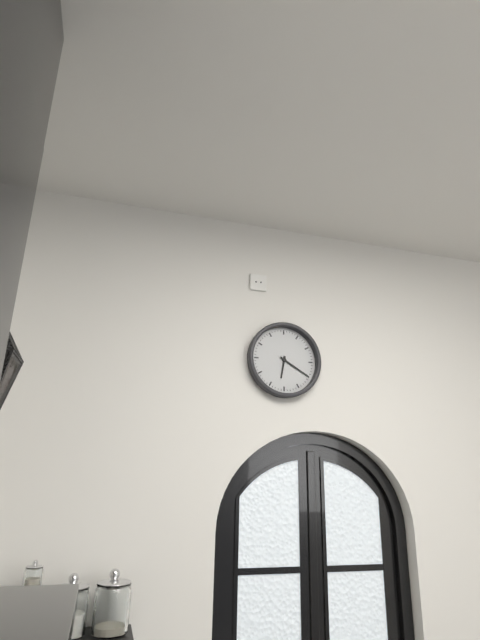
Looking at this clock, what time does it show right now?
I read 6:20
